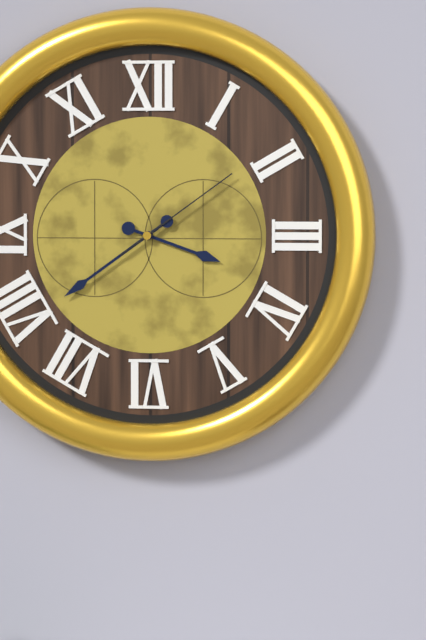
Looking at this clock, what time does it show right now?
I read 3:39:09
